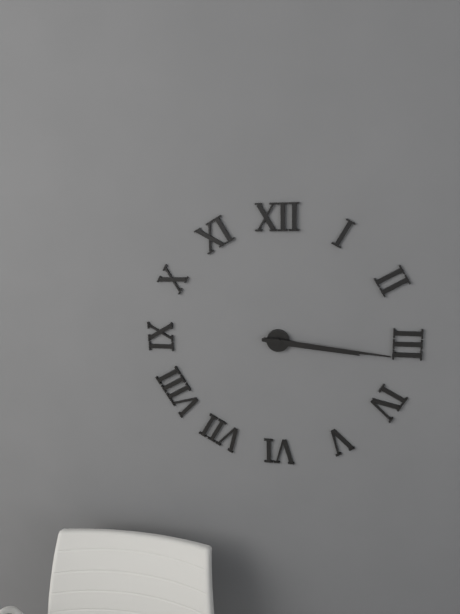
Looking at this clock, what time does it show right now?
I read 3:16
